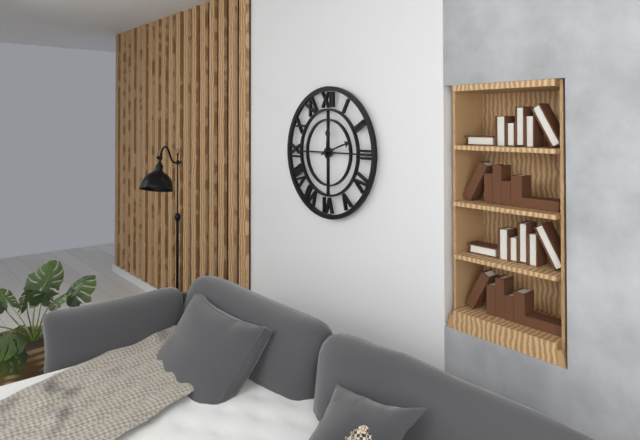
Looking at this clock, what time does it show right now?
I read 12:12
